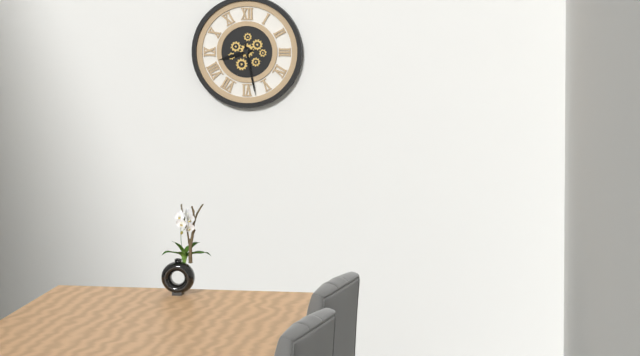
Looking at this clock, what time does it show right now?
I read 8:28
